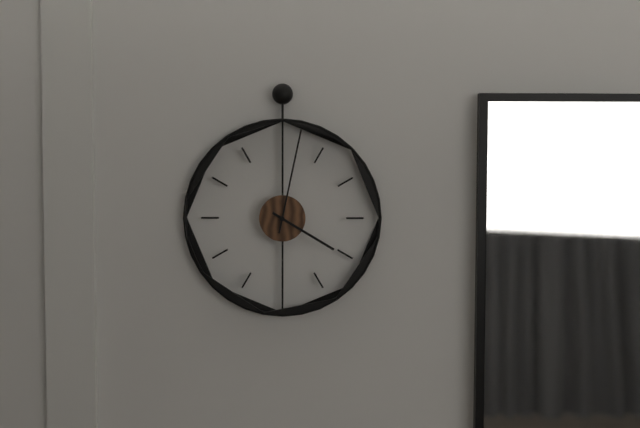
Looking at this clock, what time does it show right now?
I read 4:02
